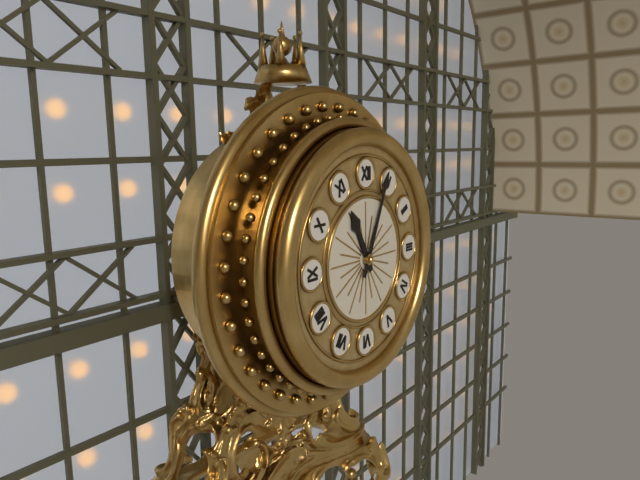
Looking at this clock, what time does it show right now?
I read 11:04
